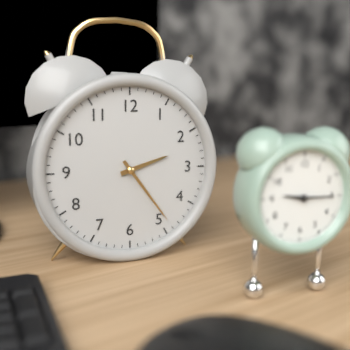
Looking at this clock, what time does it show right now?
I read 2:24
